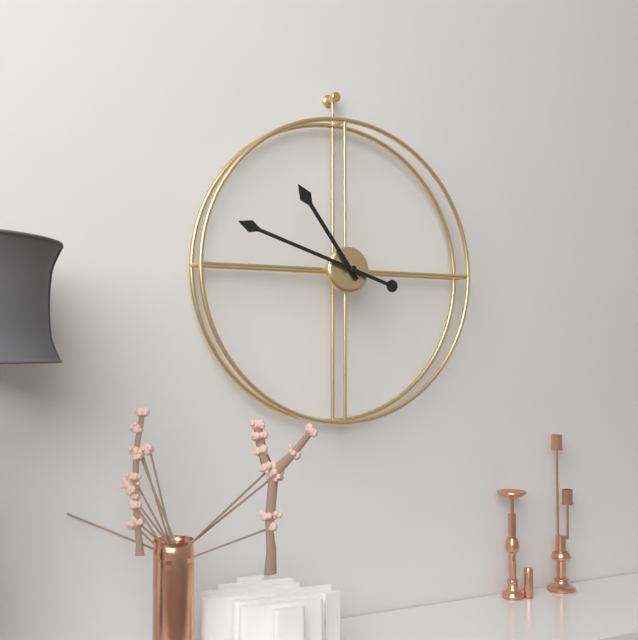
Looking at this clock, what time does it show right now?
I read 10:48
